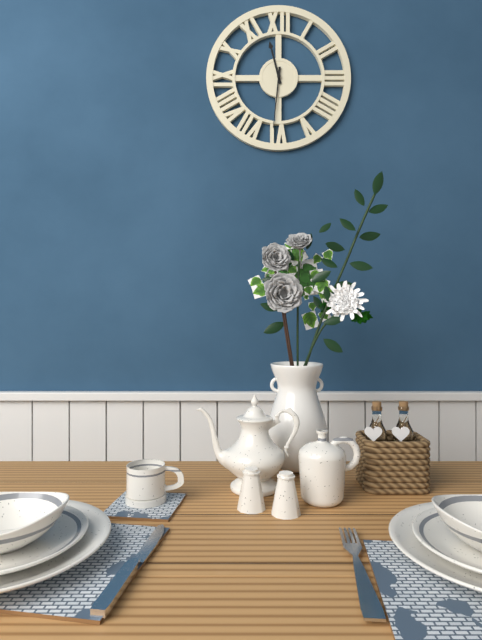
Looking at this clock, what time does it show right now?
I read 11:31
